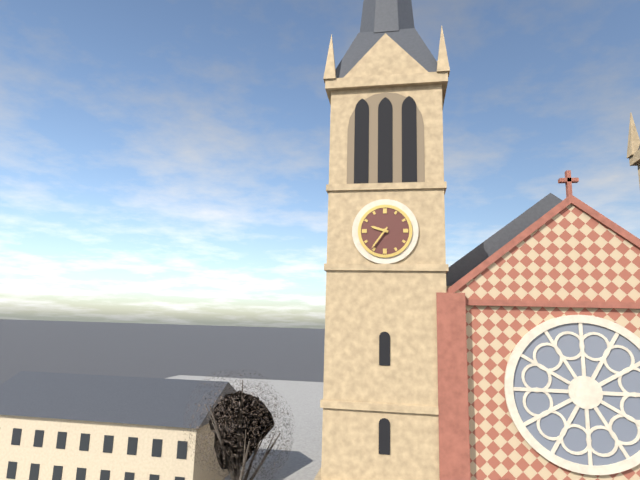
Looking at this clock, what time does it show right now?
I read 9:36
